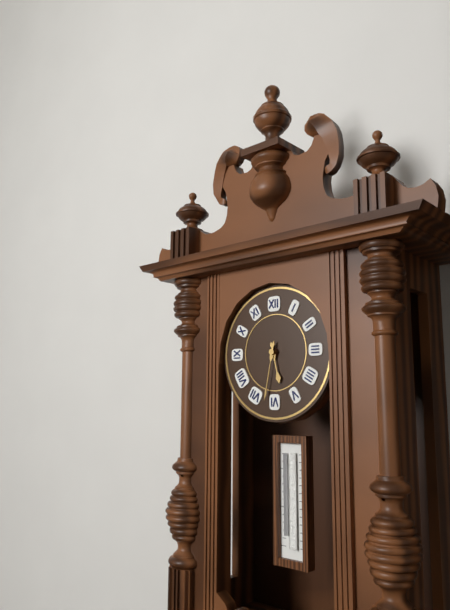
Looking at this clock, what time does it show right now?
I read 5:32
